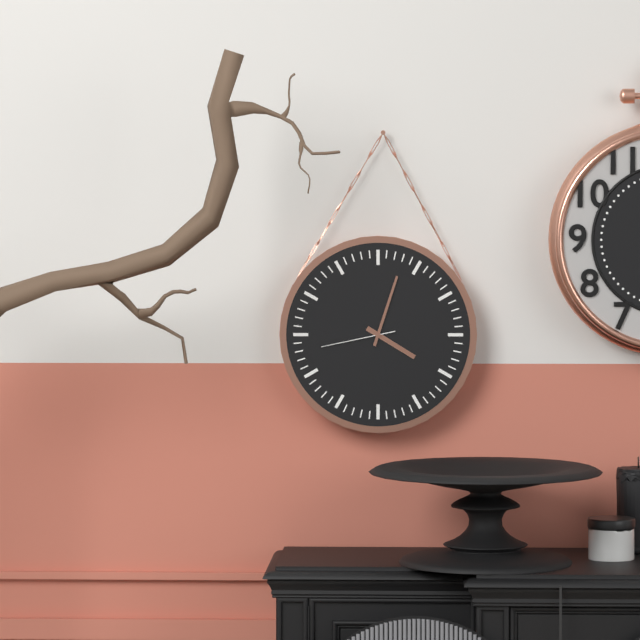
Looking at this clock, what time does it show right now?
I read 4:03:43
